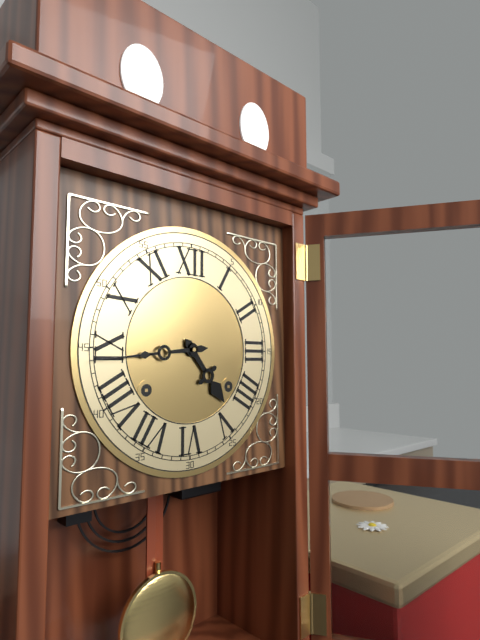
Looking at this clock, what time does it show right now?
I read 4:44
